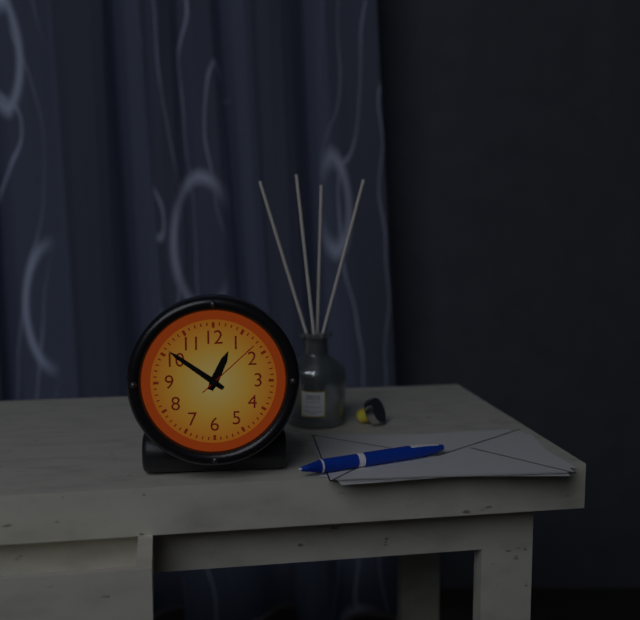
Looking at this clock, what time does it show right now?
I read 12:51:08
